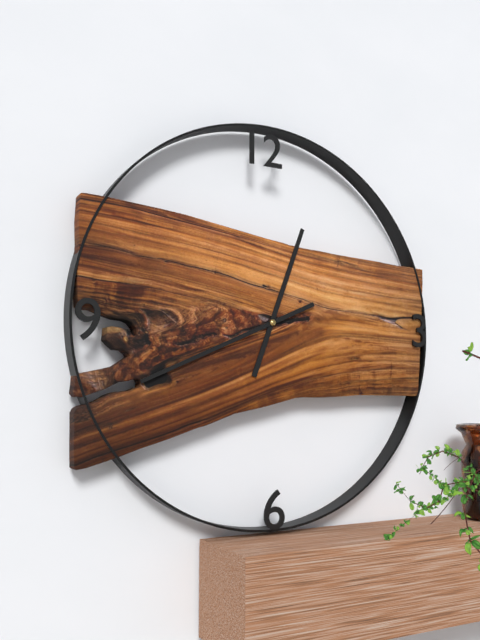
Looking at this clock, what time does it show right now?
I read 12:41
